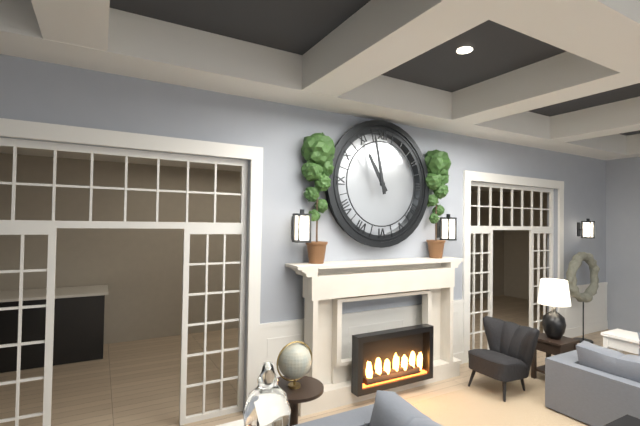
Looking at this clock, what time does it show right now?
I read 10:58
